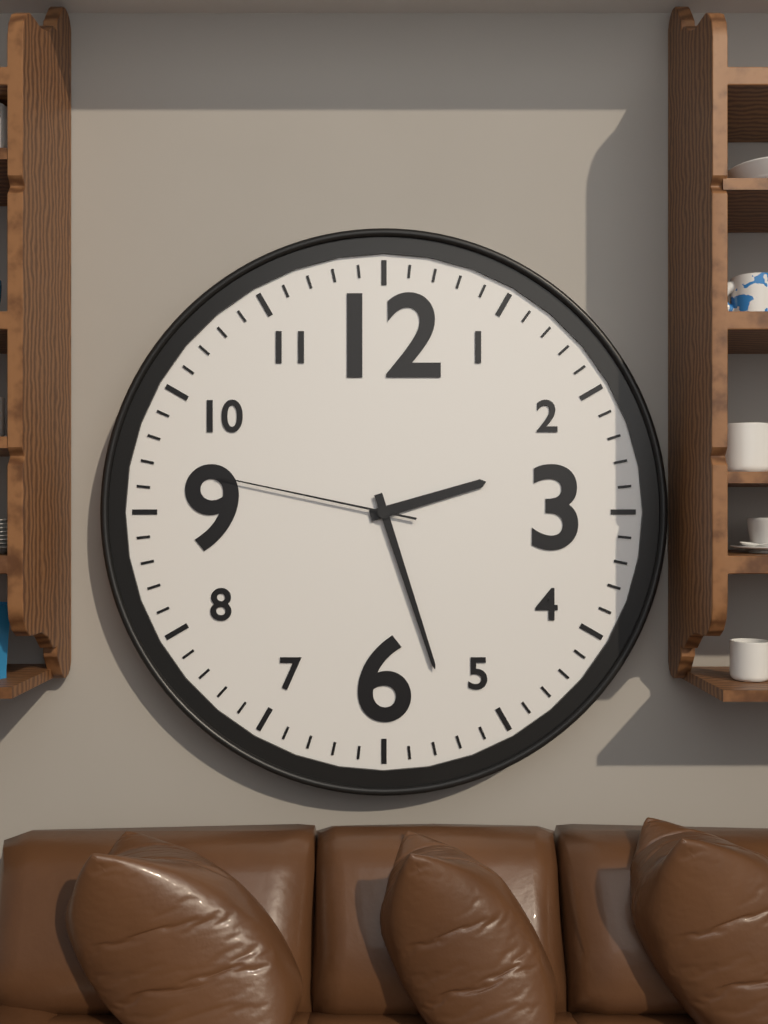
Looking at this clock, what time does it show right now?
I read 2:27:47
